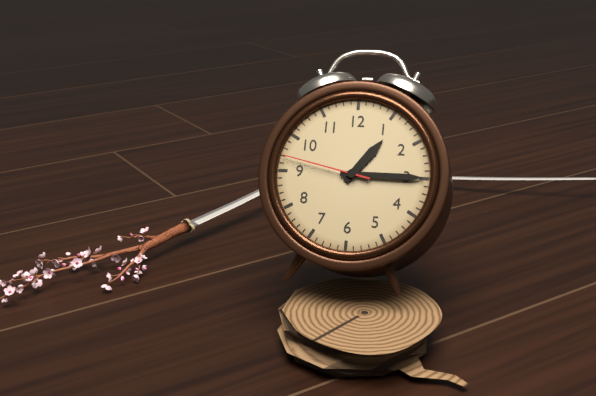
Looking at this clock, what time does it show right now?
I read 1:15:47
